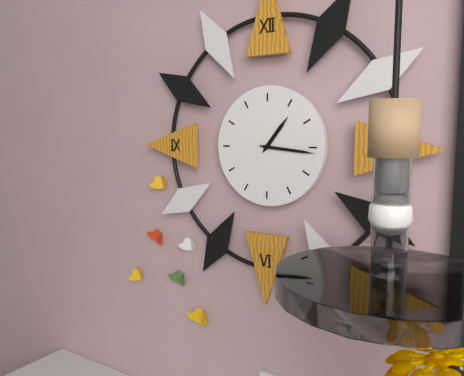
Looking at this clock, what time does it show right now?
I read 1:16
